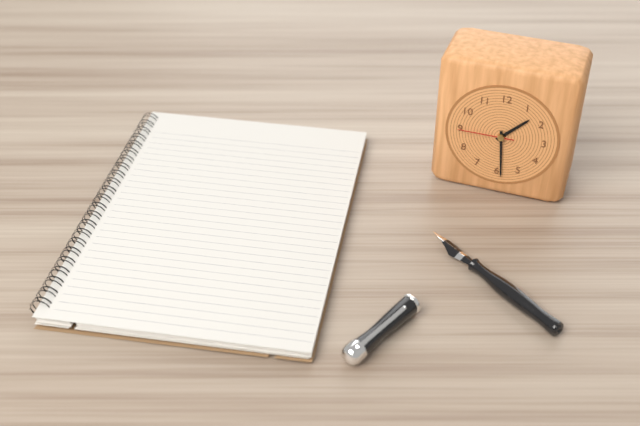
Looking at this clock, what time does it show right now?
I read 1:29:45
